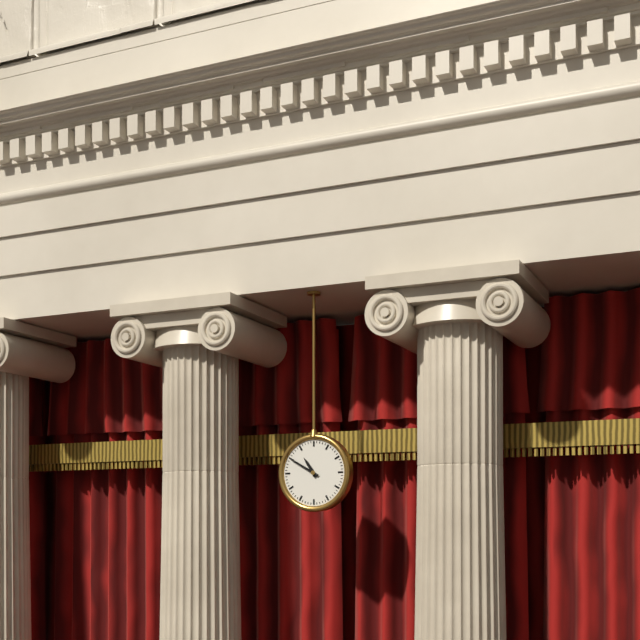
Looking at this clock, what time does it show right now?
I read 10:50
